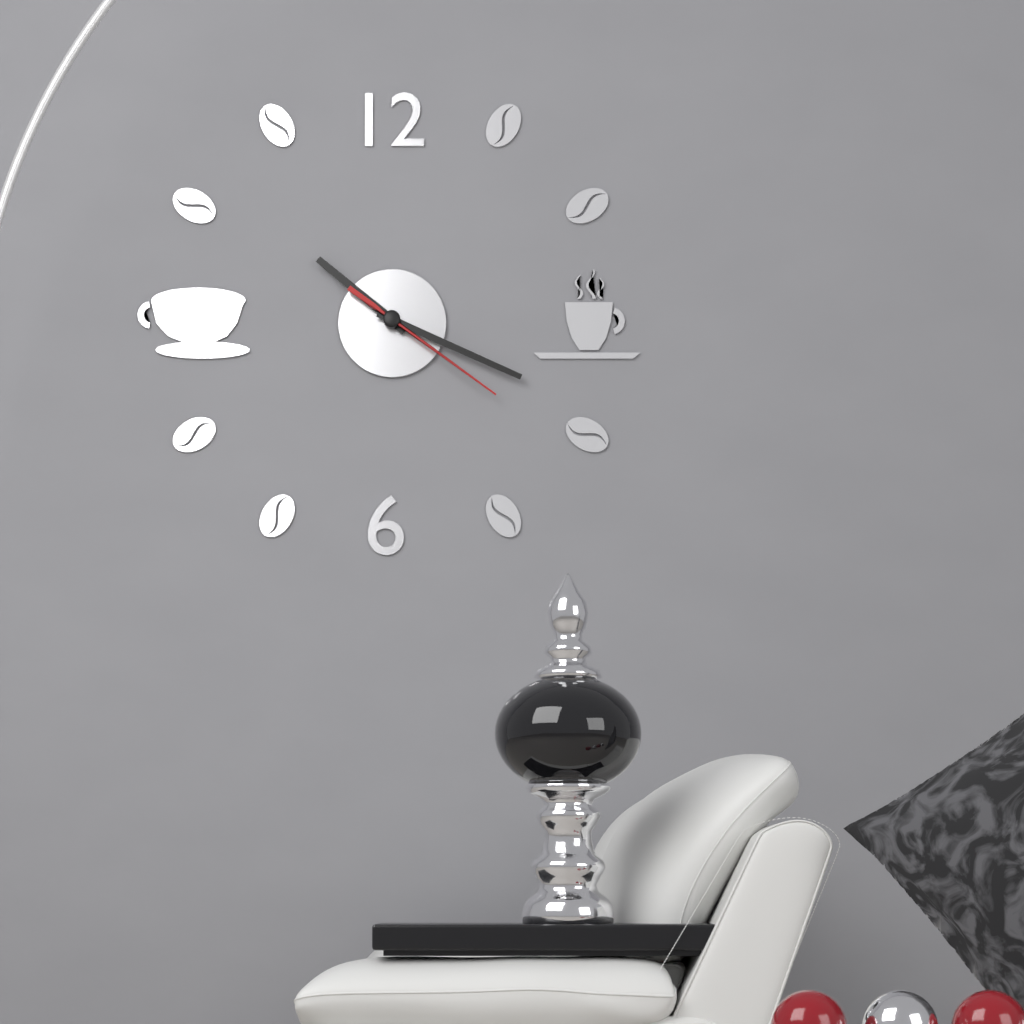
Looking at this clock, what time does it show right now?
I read 10:19:21
